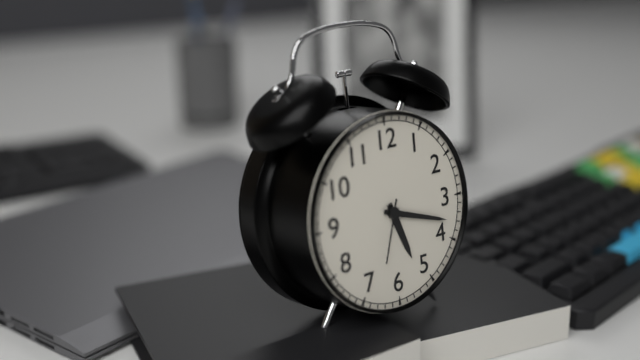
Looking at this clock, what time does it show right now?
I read 5:18:33
